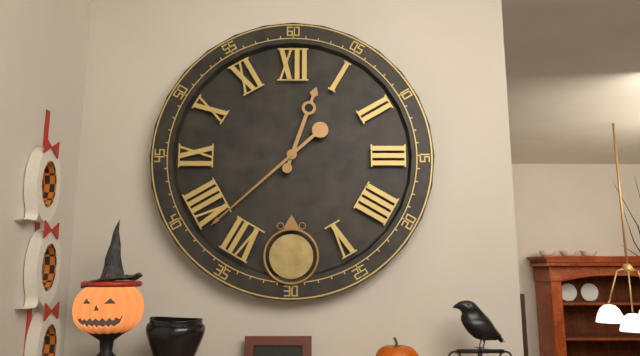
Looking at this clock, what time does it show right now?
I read 12:38
